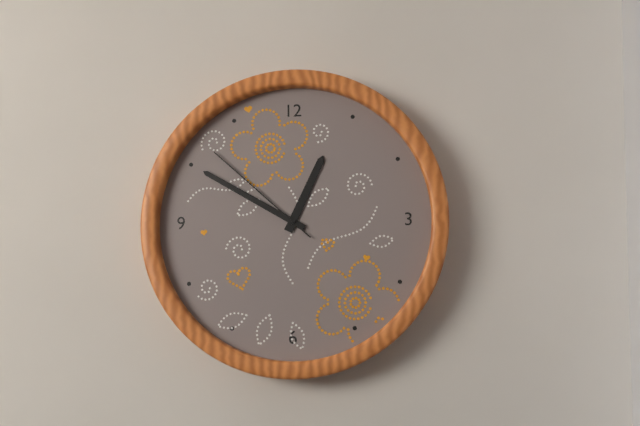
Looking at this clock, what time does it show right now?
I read 12:50:52
